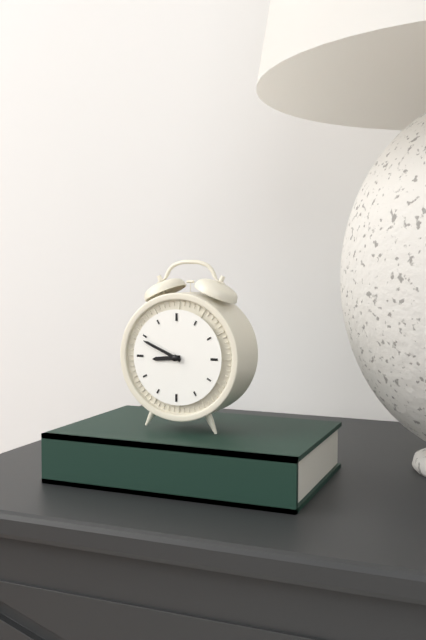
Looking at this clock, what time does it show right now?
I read 8:49
